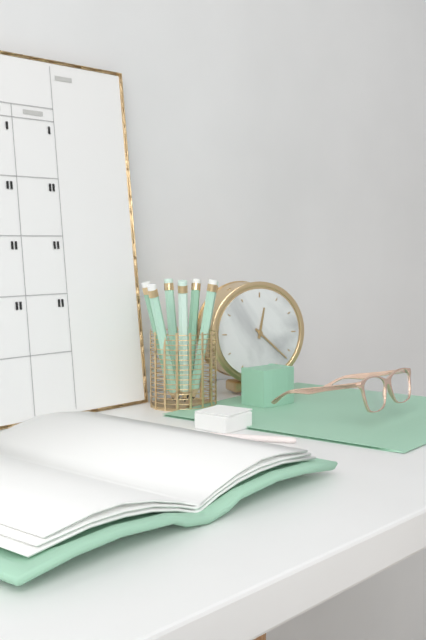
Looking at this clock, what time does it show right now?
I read 12:22
